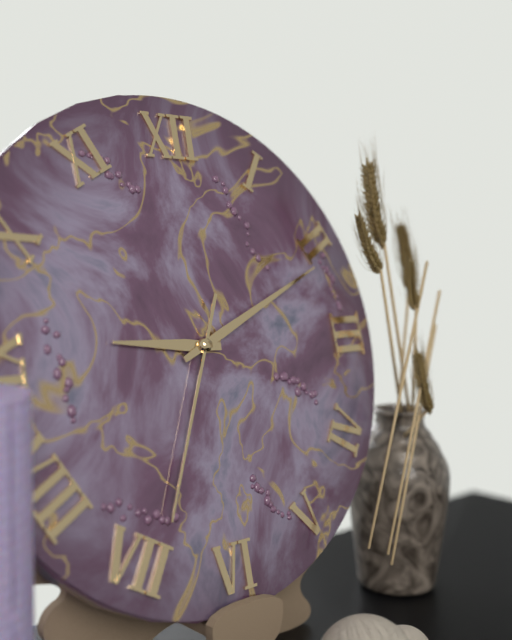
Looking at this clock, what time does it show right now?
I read 9:11:34
